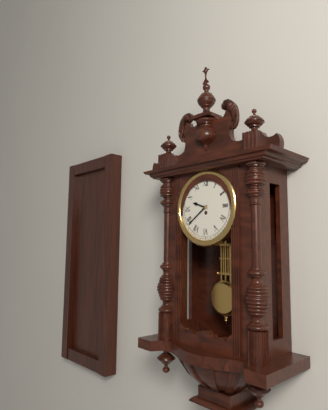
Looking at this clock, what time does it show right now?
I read 9:39
